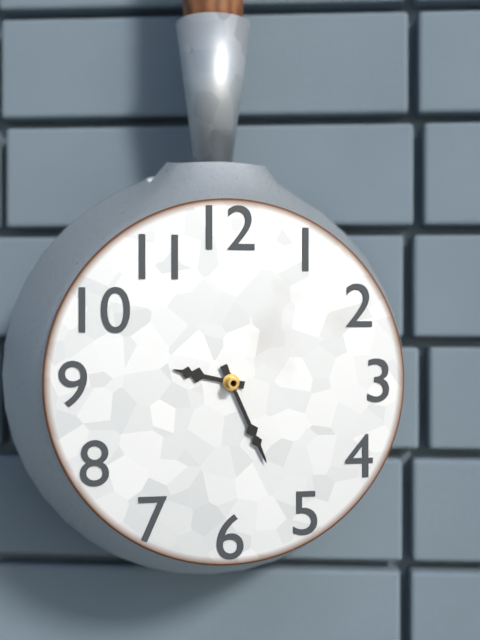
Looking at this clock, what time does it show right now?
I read 9:26
